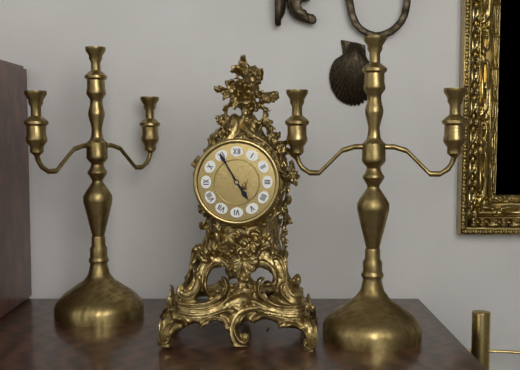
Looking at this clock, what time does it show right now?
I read 4:55
